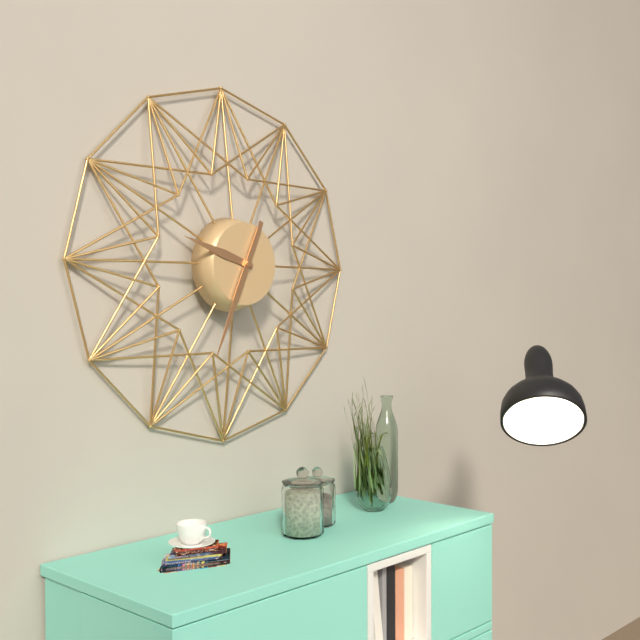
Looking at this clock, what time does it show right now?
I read 9:34
